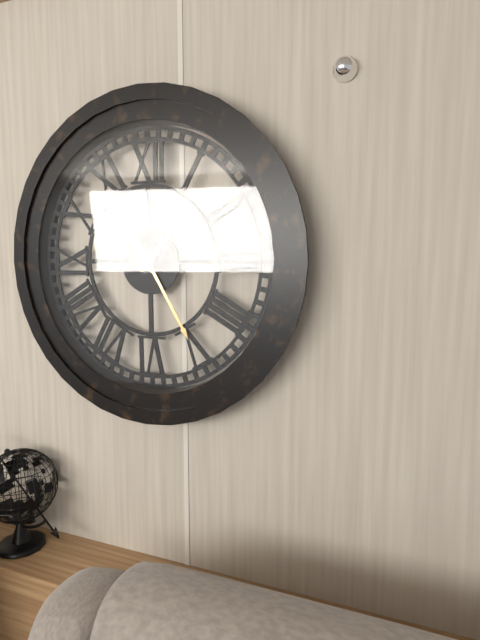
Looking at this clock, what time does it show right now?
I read 1:25
